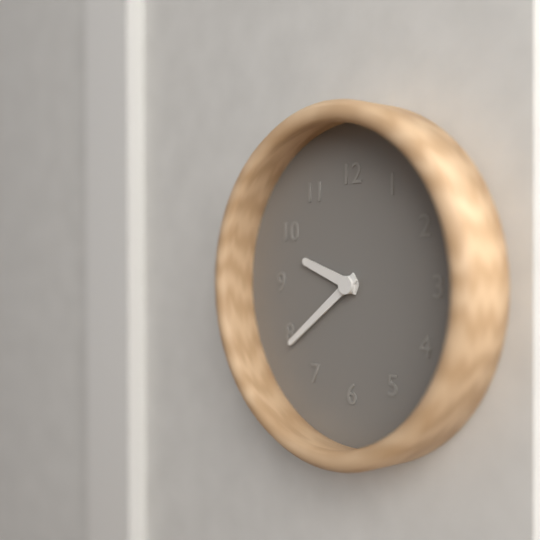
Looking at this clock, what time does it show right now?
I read 9:39
